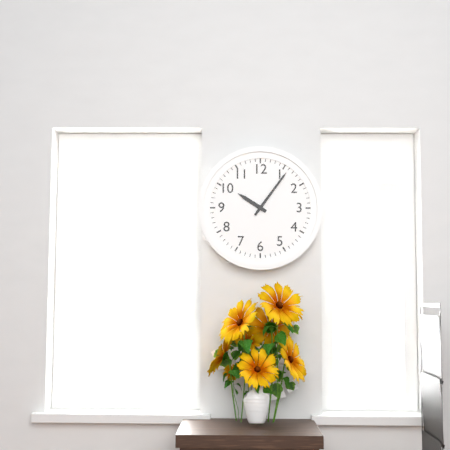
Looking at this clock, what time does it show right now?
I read 10:06
